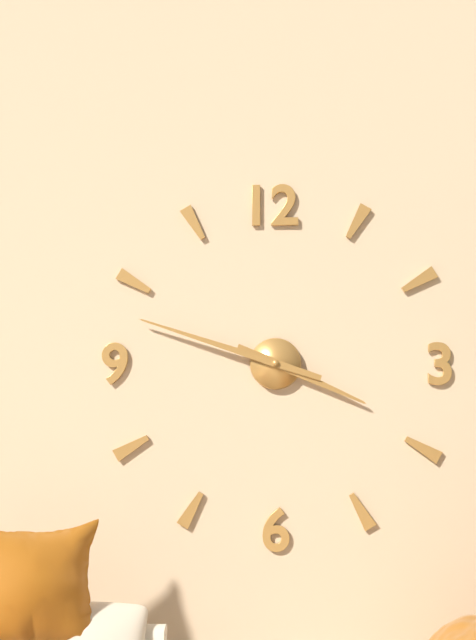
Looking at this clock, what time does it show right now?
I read 3:48
